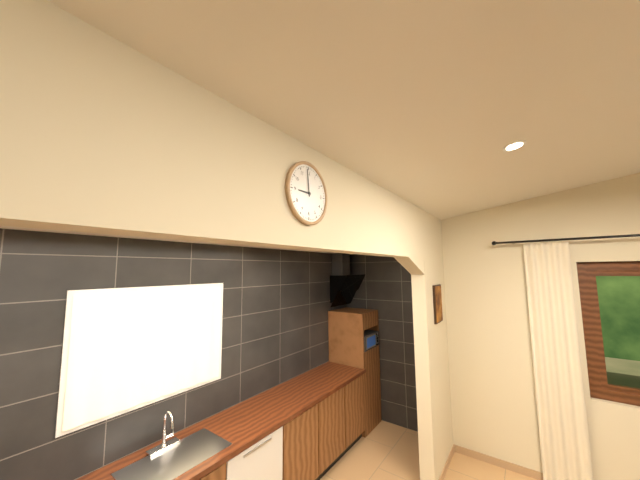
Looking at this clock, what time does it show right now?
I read 8:59
